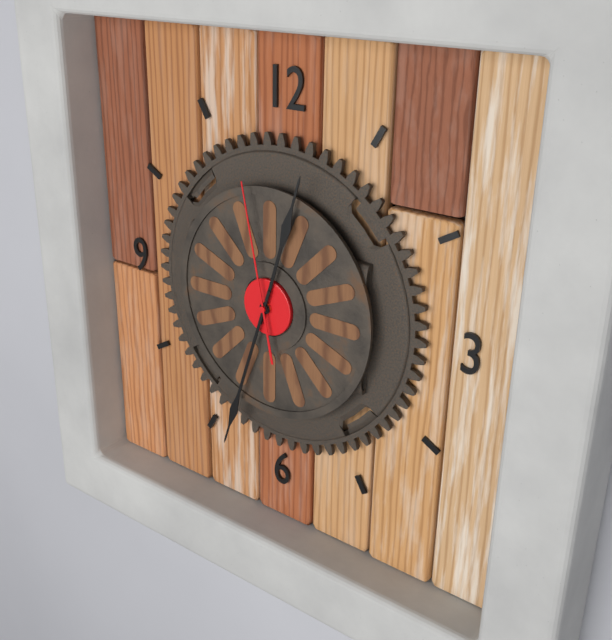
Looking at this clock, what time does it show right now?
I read 12:33:58
